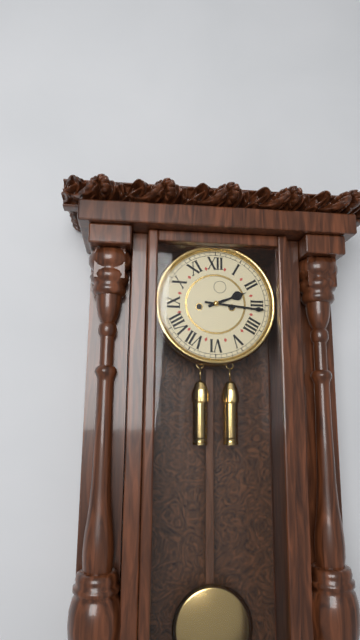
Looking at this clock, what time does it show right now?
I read 2:16
